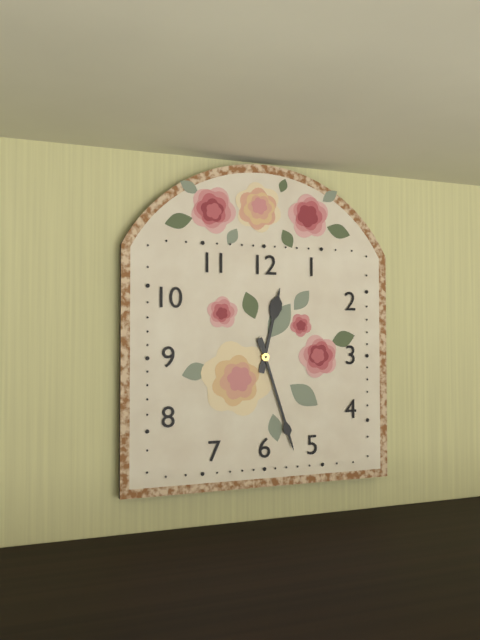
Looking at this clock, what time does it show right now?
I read 12:27
